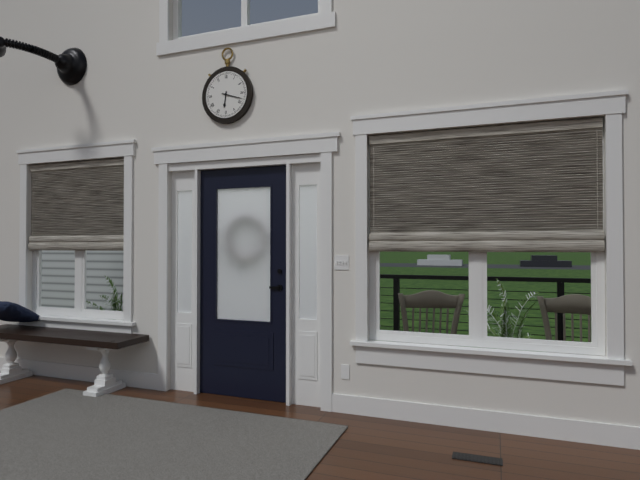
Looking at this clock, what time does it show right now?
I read 6:18
